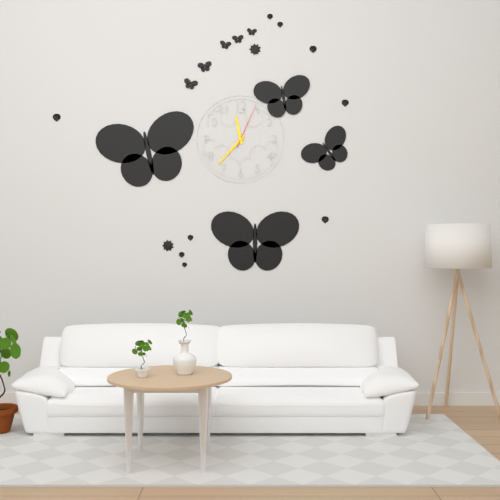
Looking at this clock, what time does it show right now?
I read 11:37
